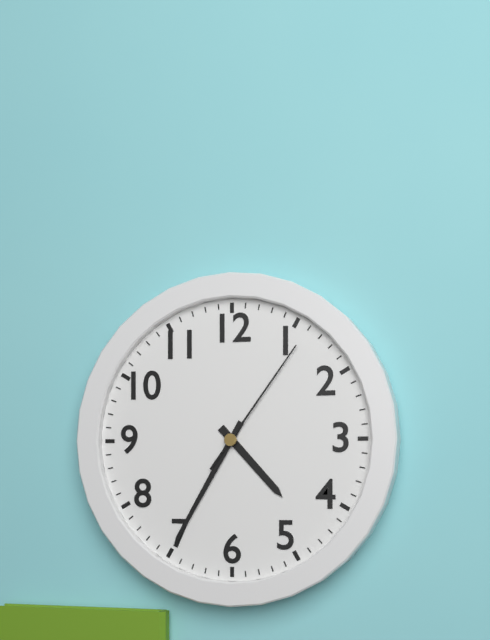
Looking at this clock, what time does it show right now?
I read 4:35:06
